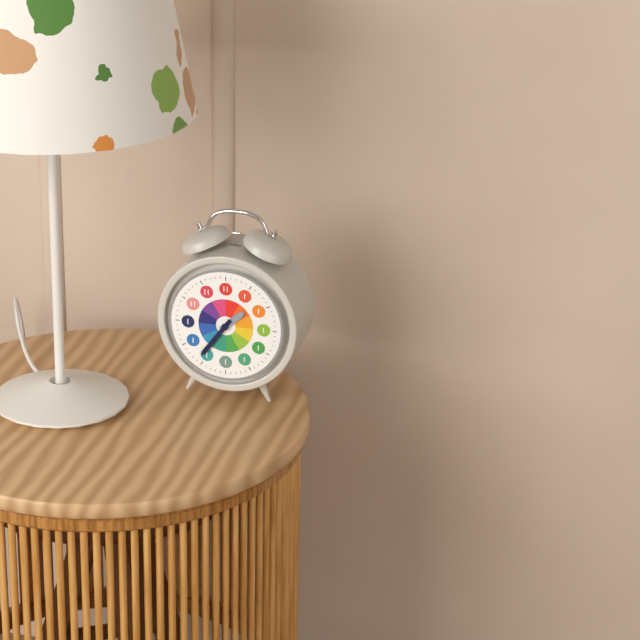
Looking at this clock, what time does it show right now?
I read 1:36
